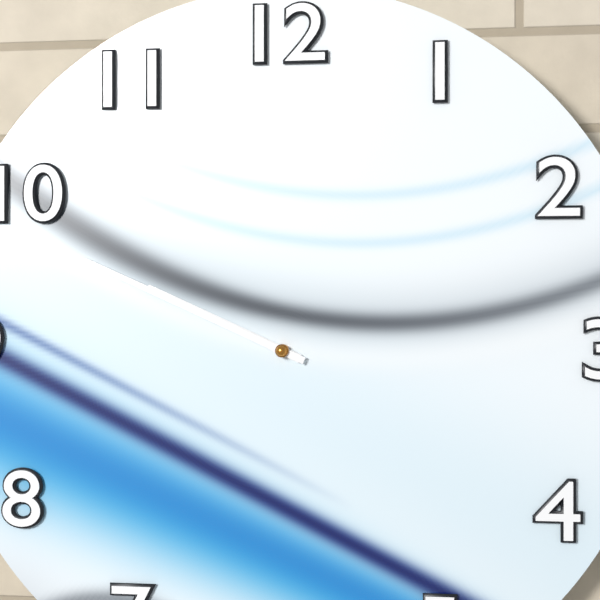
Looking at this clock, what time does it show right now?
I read 9:49
